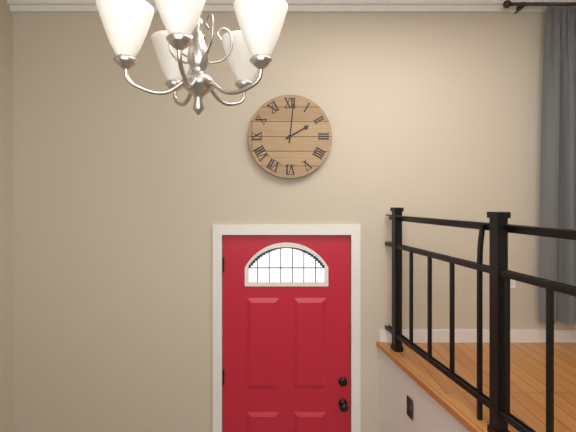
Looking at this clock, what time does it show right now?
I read 2:01
